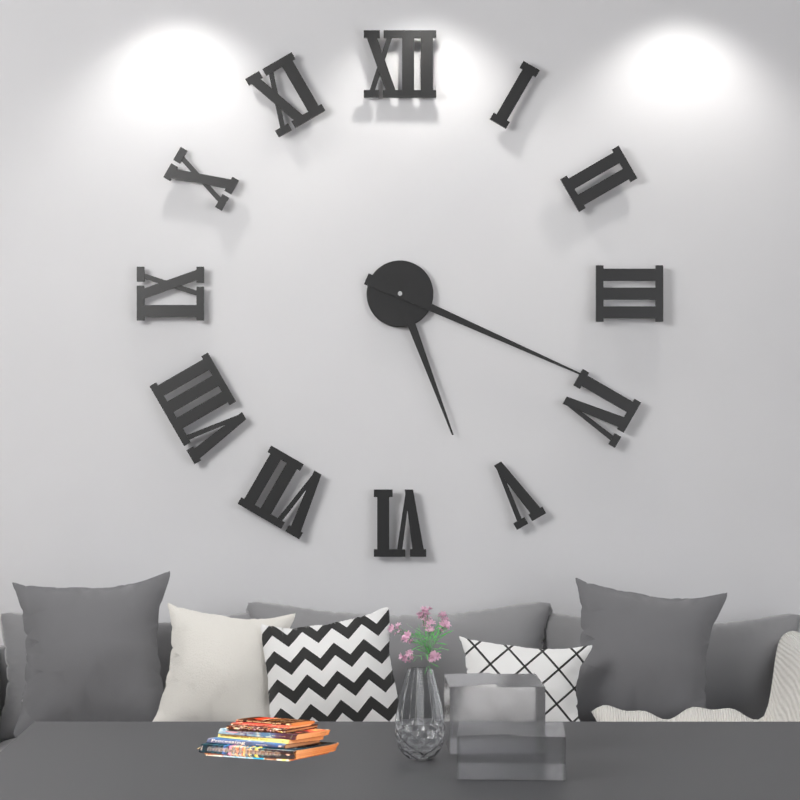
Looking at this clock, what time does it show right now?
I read 5:19
